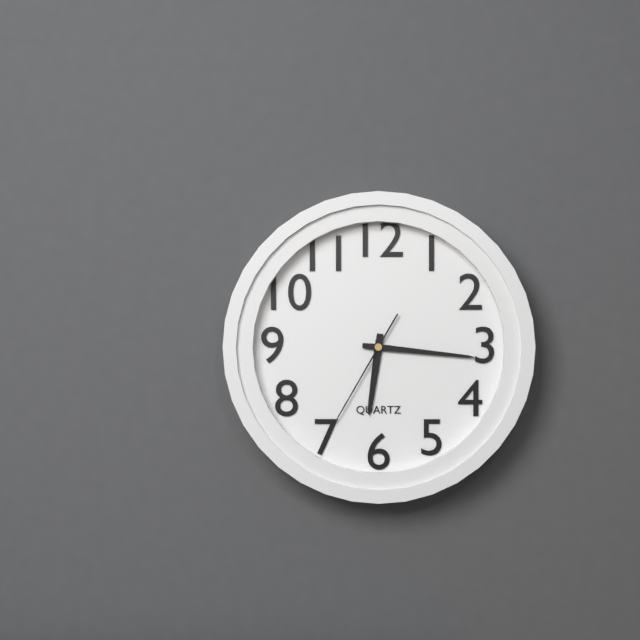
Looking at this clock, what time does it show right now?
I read 6:16:35
